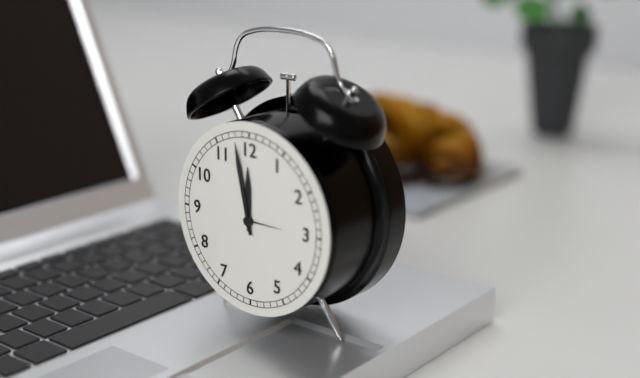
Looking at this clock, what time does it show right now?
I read 11:58
